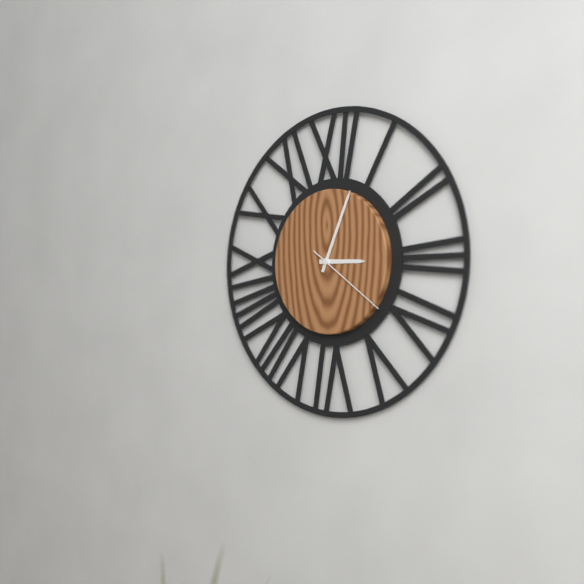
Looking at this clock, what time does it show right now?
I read 3:04:21
